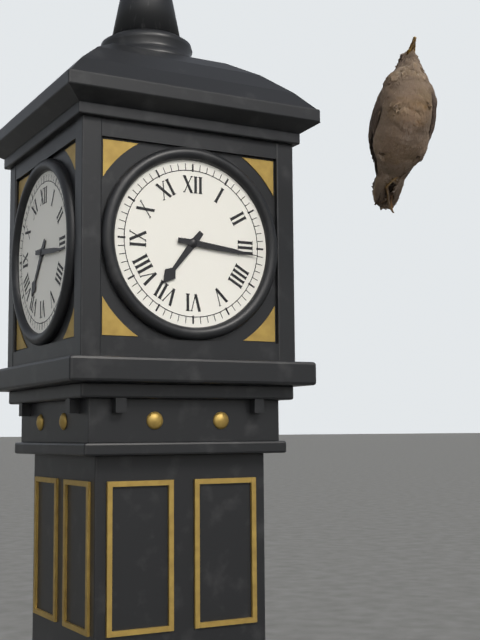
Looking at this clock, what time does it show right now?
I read 7:16
